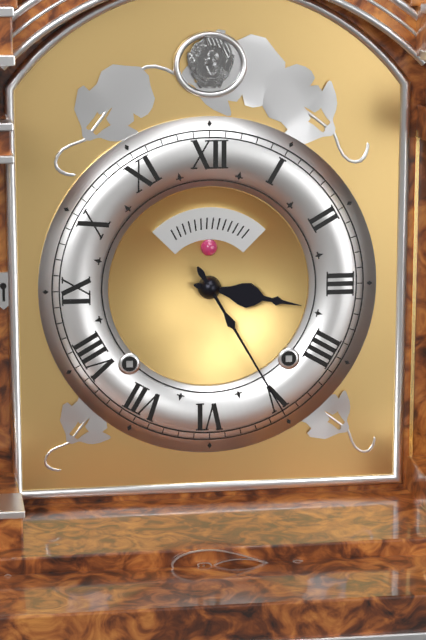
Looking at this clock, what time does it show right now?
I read 3:25
